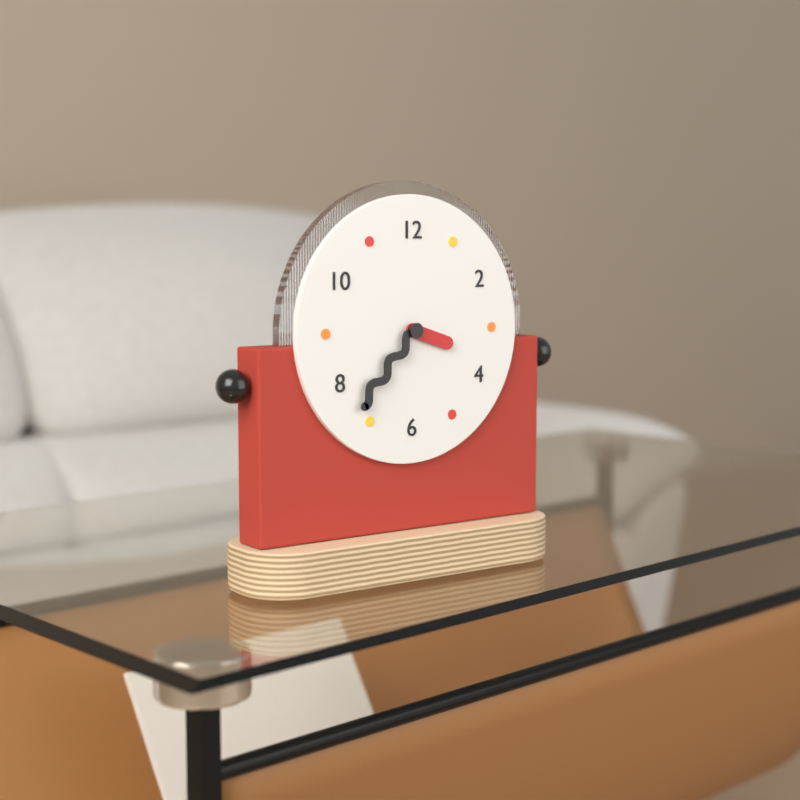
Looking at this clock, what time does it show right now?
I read 3:37
